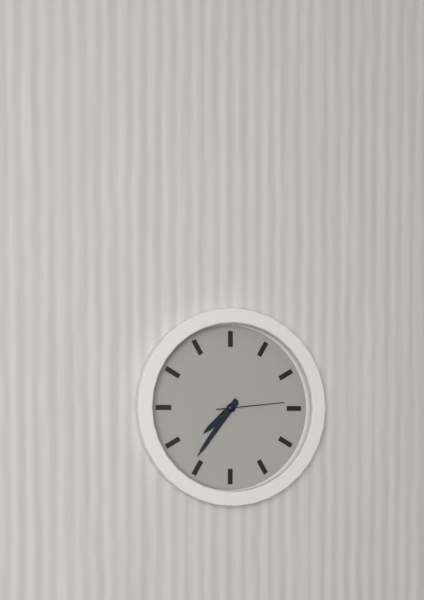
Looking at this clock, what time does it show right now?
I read 7:36:14
